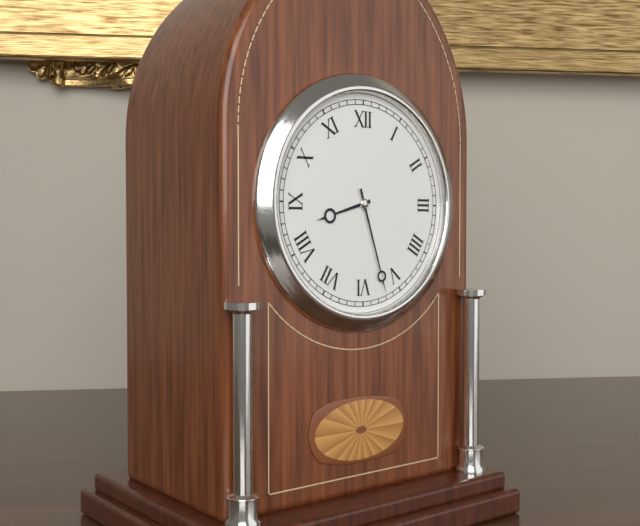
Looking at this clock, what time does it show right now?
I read 8:27
